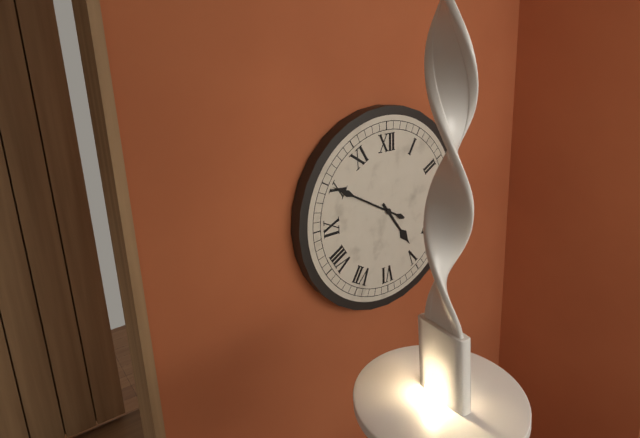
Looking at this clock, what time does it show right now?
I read 4:50
